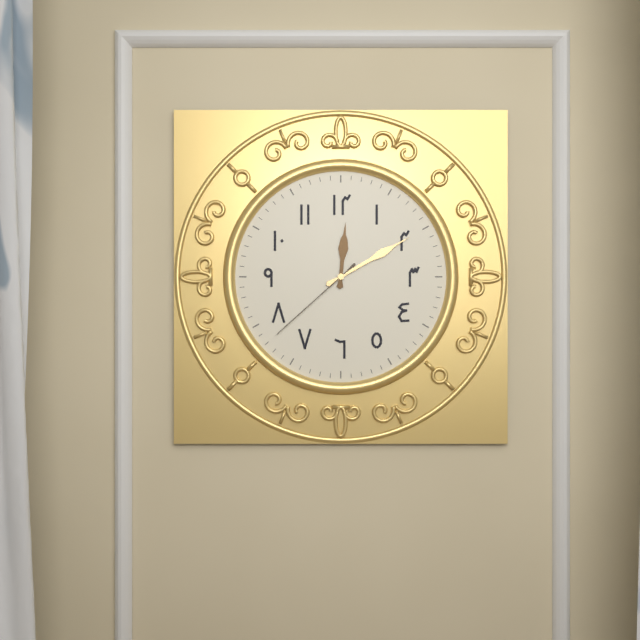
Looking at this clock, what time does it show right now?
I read 12:10:38
